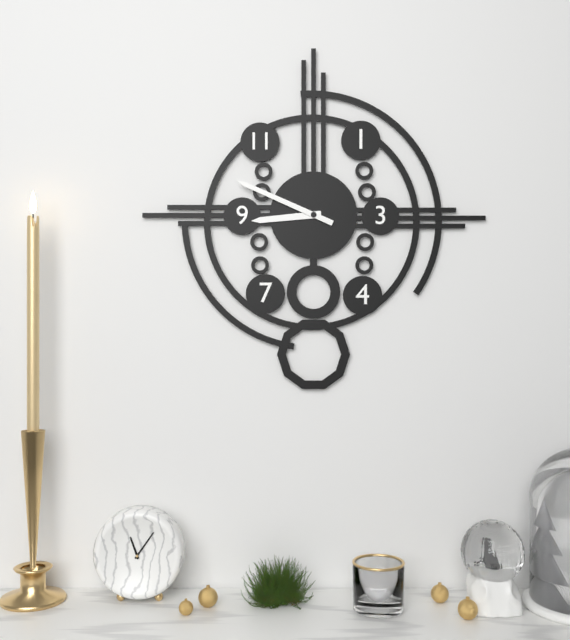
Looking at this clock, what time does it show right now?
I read 8:49
